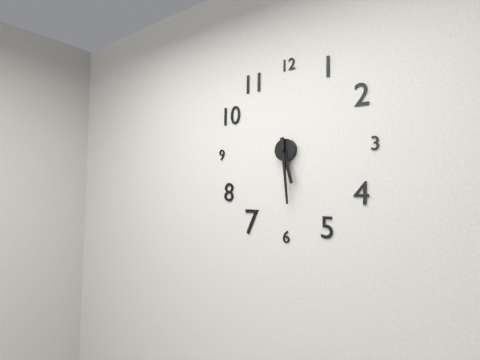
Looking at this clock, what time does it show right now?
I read 5:29
